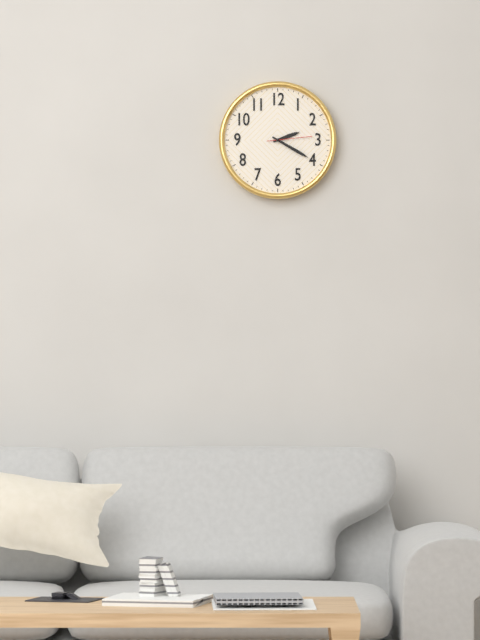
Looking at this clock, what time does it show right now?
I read 2:20
